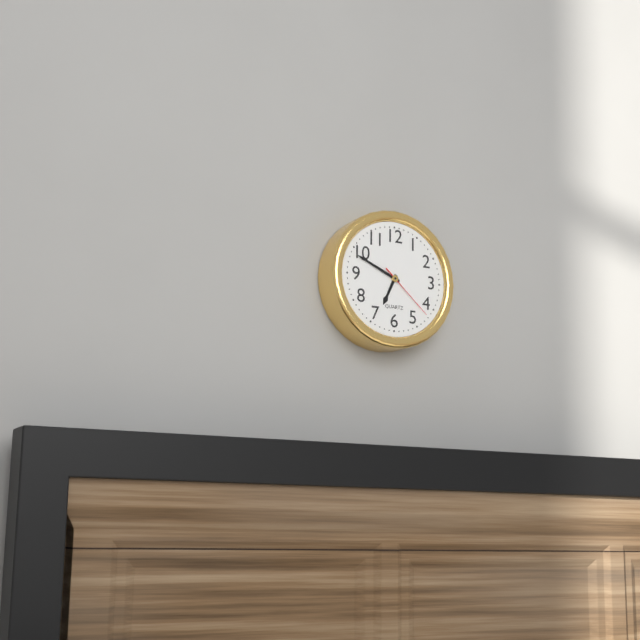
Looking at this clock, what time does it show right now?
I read 6:49:22
